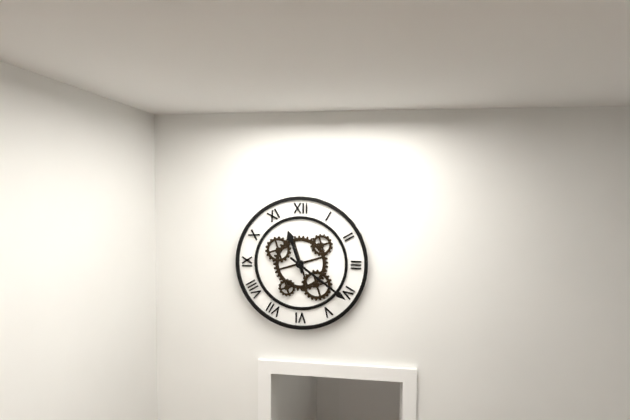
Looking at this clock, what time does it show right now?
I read 11:21
